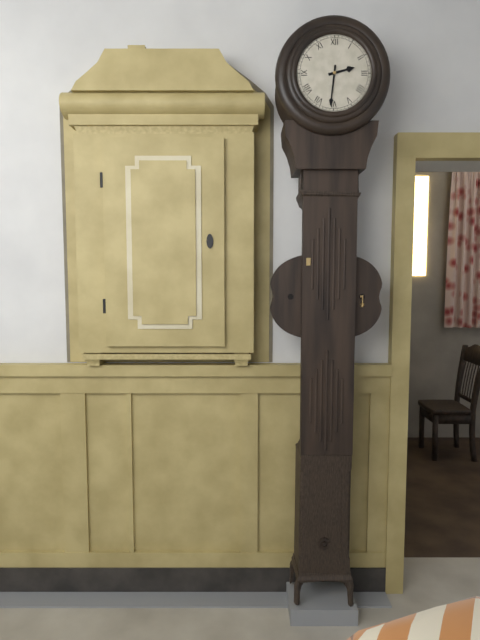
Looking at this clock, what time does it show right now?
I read 2:31
